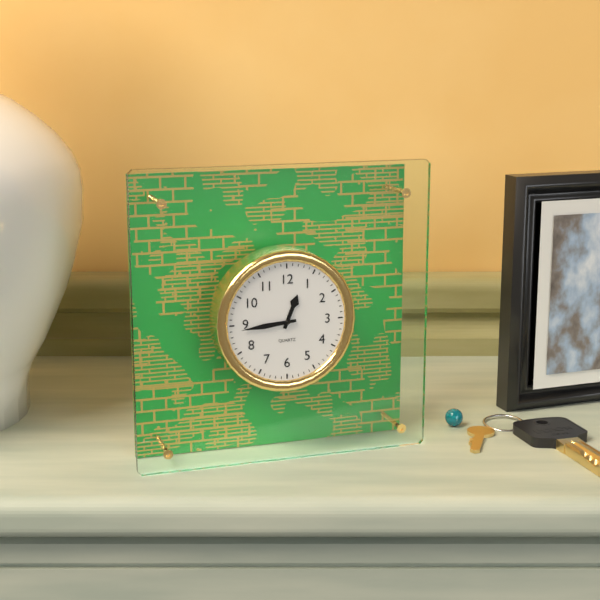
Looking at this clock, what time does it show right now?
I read 12:44
